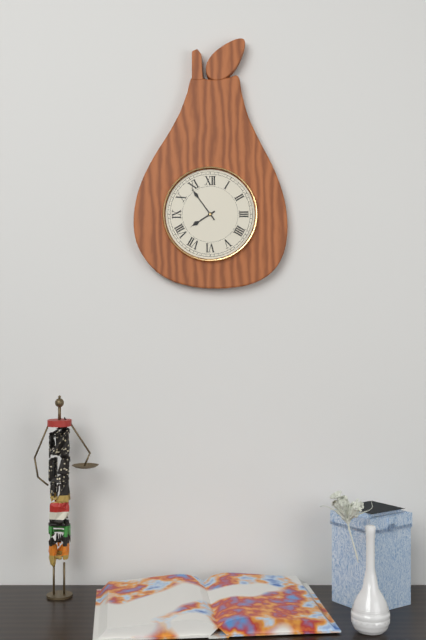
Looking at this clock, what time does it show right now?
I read 7:54
